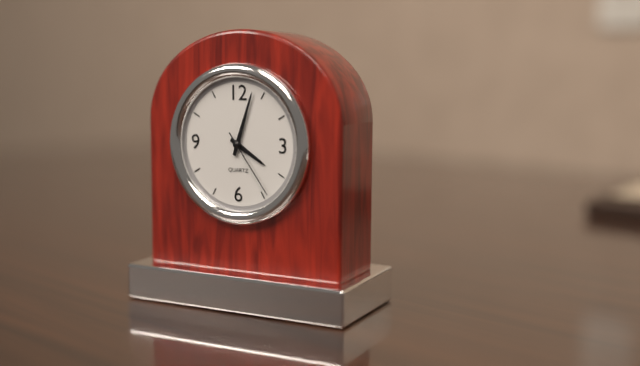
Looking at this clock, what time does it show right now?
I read 4:03:24
